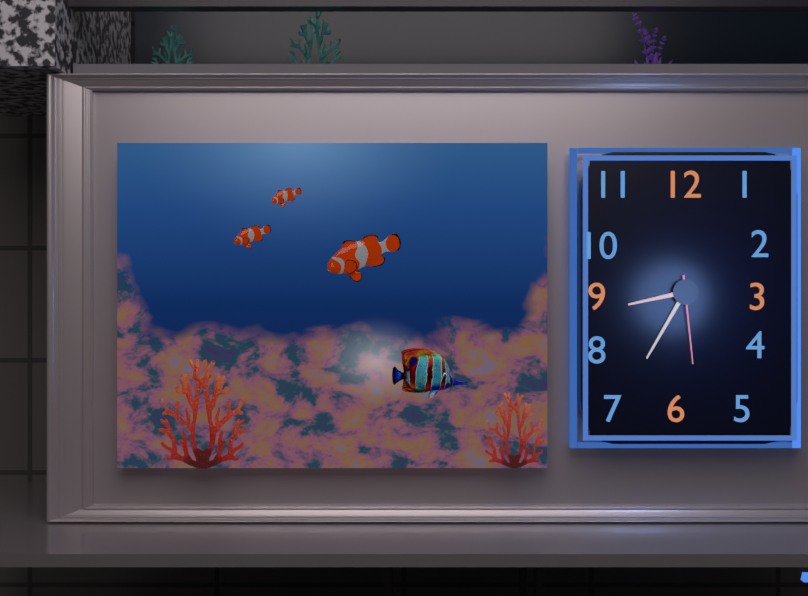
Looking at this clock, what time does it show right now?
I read 8:35:29
